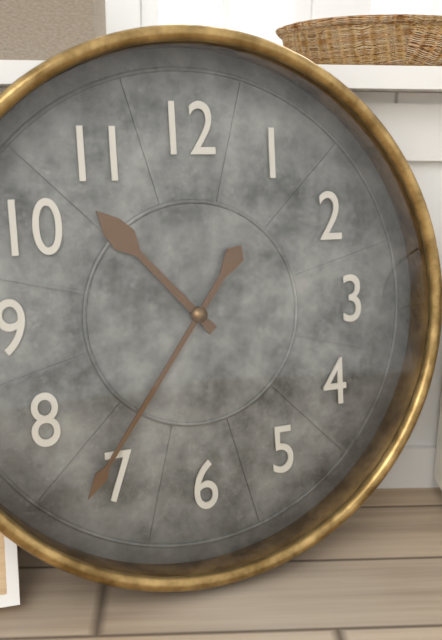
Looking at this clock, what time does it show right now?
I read 10:36
